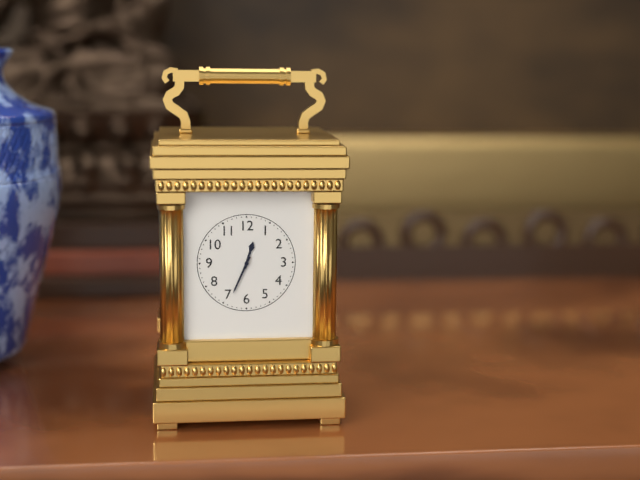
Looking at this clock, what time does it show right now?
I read 12:34
